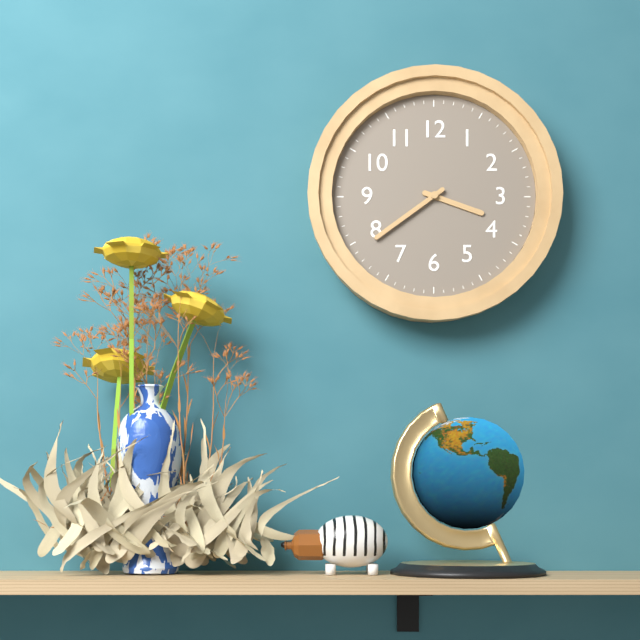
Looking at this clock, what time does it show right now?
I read 3:39
